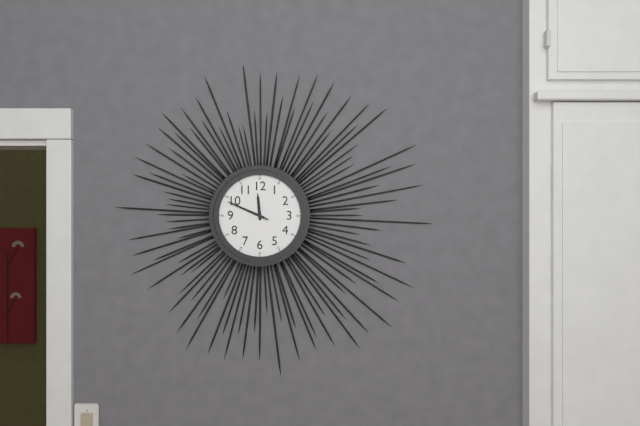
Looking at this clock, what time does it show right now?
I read 11:49
